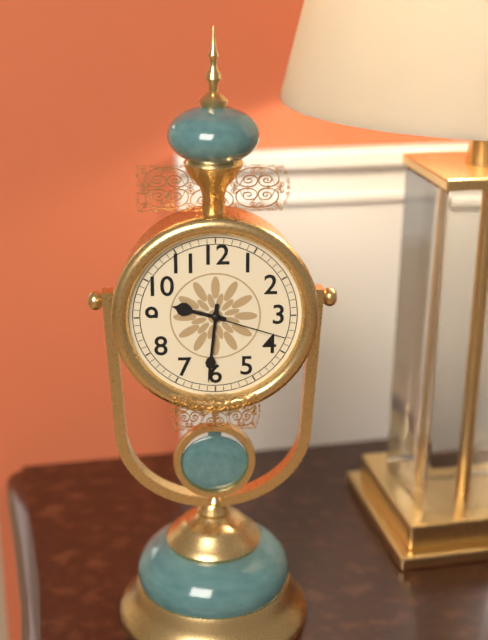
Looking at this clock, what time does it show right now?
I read 9:31:18
